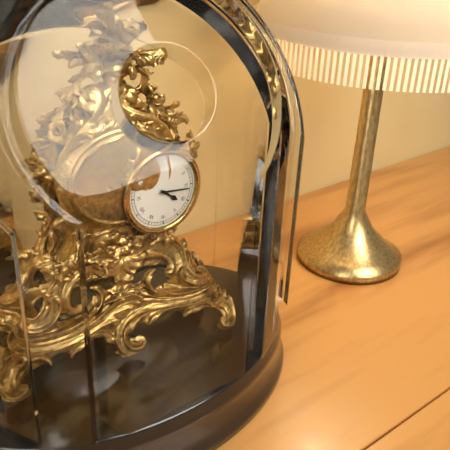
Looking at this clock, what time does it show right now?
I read 4:16
